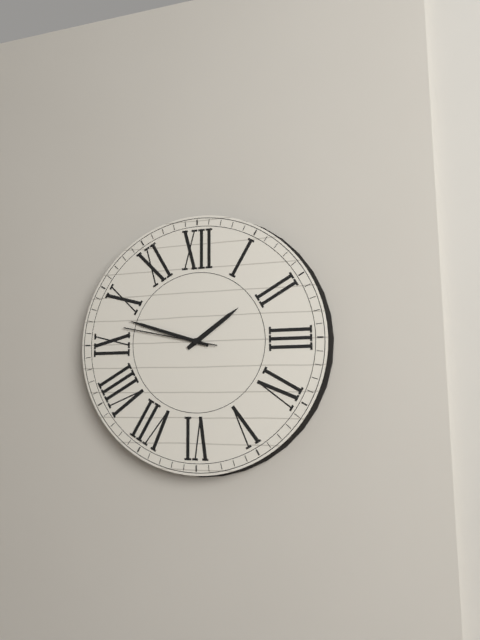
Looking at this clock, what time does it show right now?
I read 1:48:47
